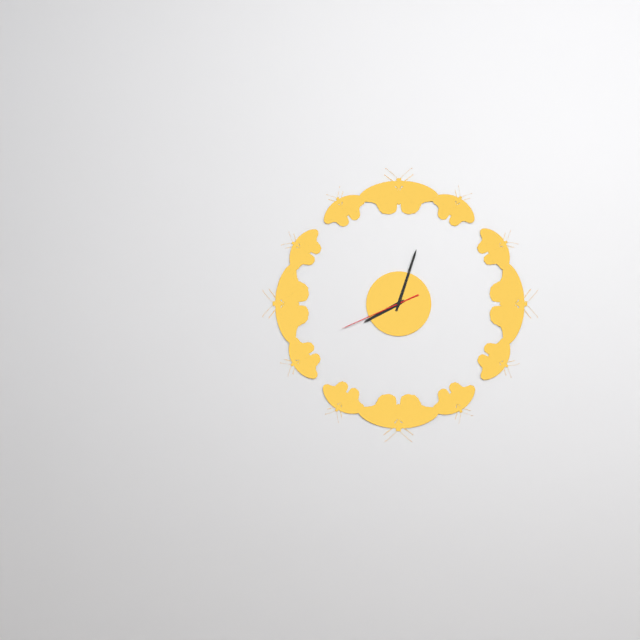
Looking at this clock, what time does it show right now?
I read 8:03:41
